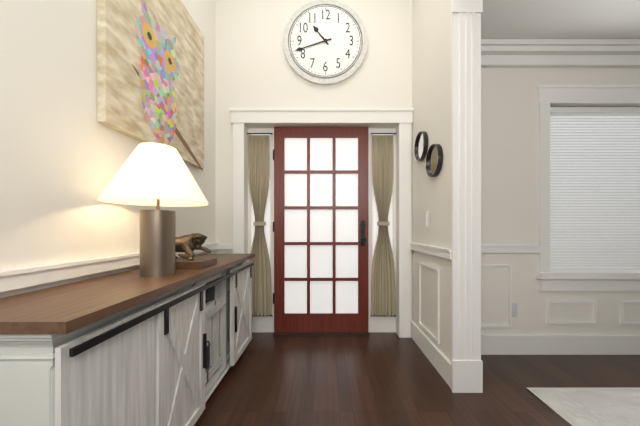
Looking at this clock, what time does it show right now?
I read 10:42
